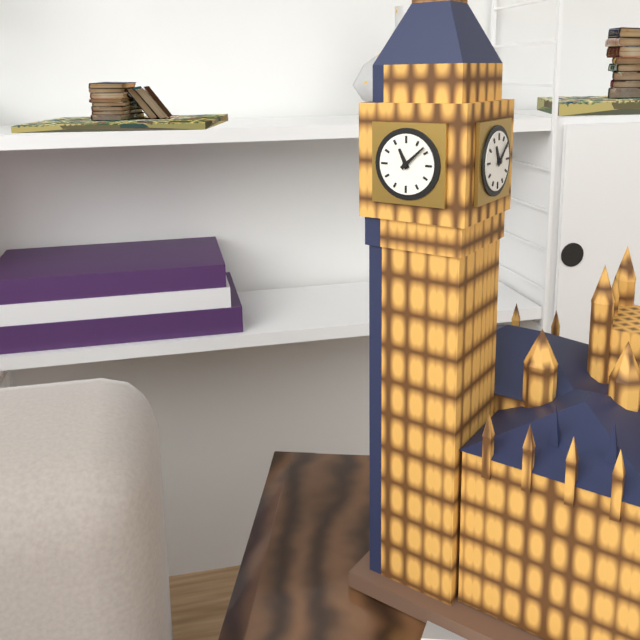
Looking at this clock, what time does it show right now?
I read 11:08
